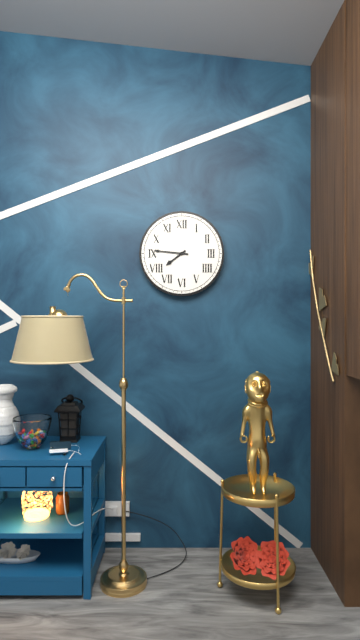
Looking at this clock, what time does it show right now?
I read 7:46
